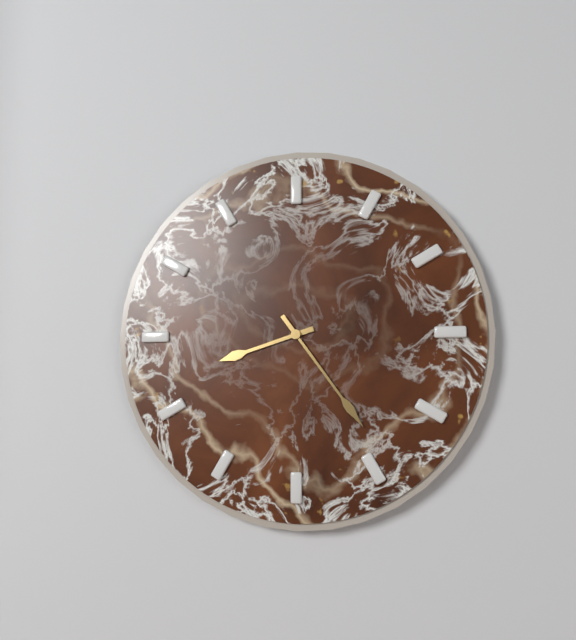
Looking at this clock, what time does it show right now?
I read 8:24
